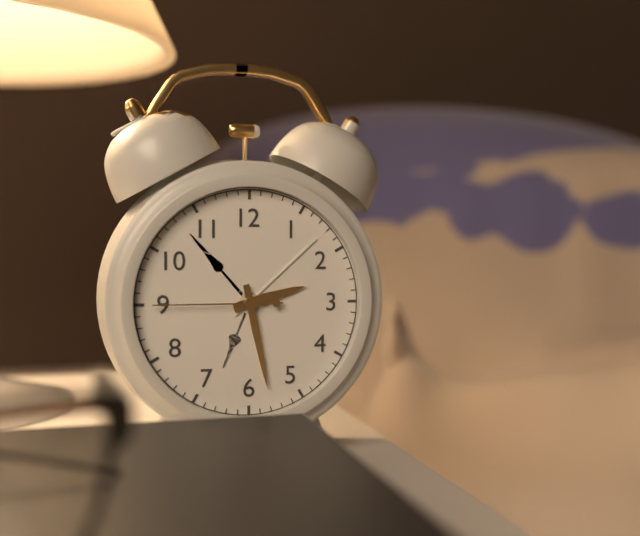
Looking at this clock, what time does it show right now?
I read 2:28:45
